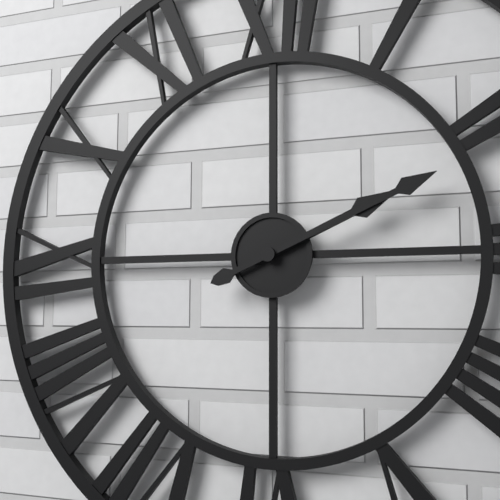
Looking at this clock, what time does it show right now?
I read 2:11
